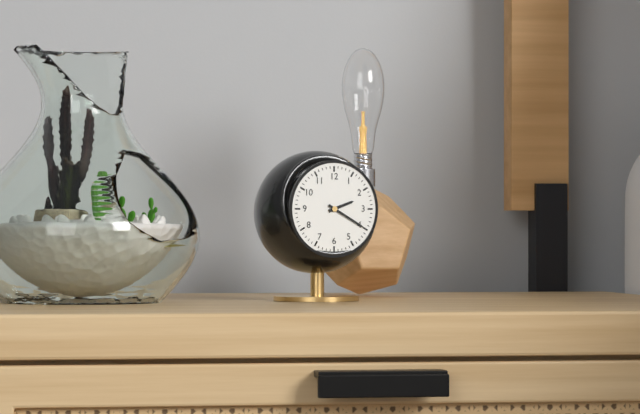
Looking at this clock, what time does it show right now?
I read 2:20
